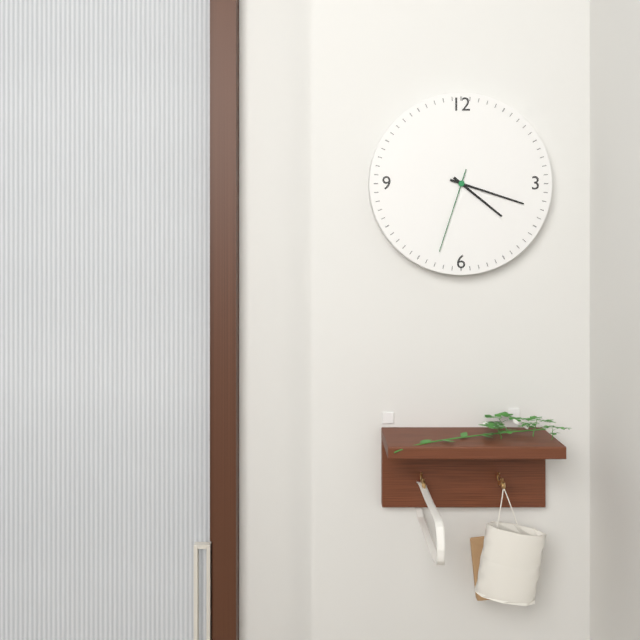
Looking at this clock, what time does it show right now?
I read 4:18:33
